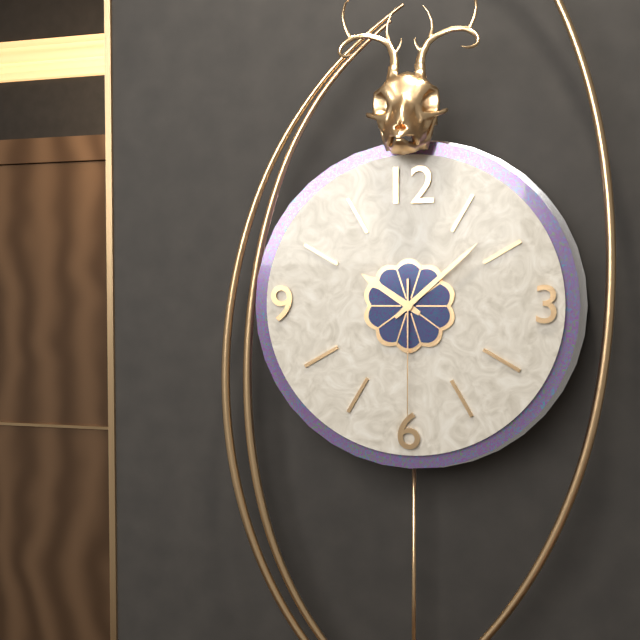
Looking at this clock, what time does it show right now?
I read 10:08:30
